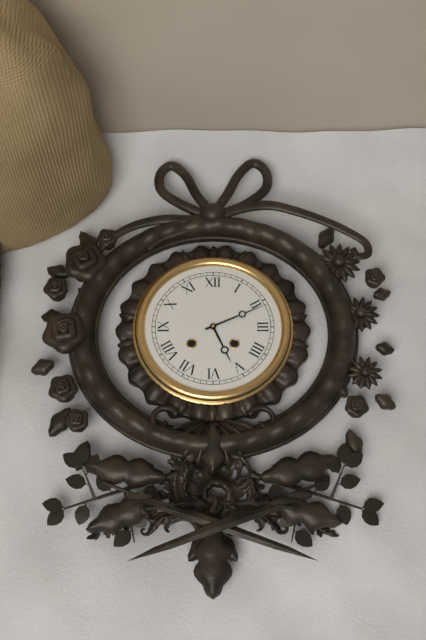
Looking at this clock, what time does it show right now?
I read 5:11
